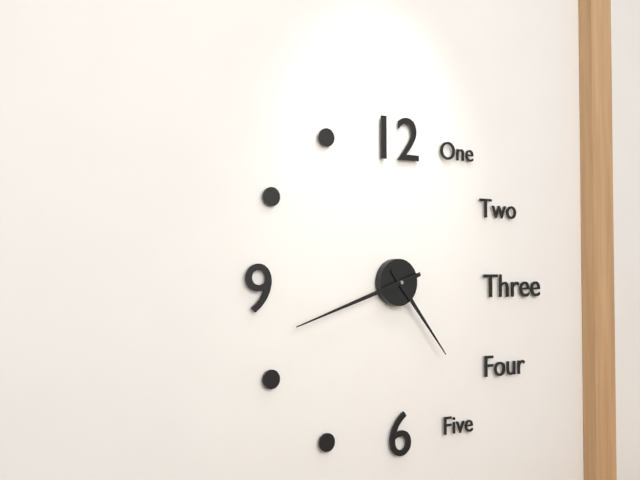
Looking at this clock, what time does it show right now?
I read 4:42
